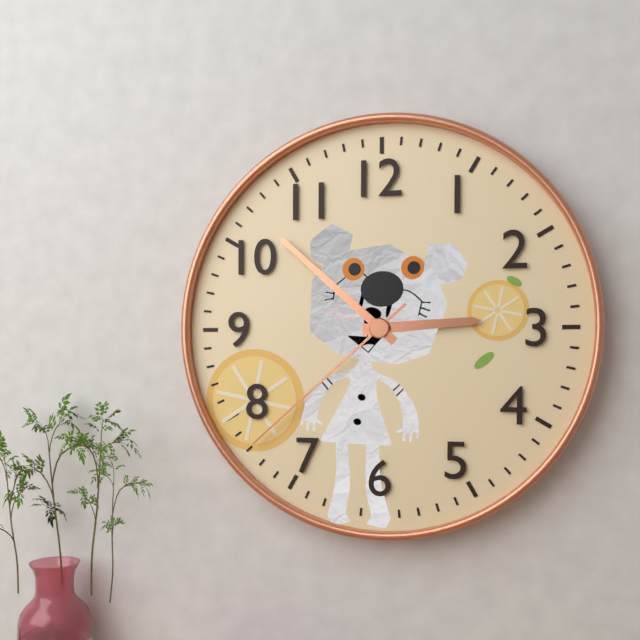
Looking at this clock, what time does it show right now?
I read 2:52:38
